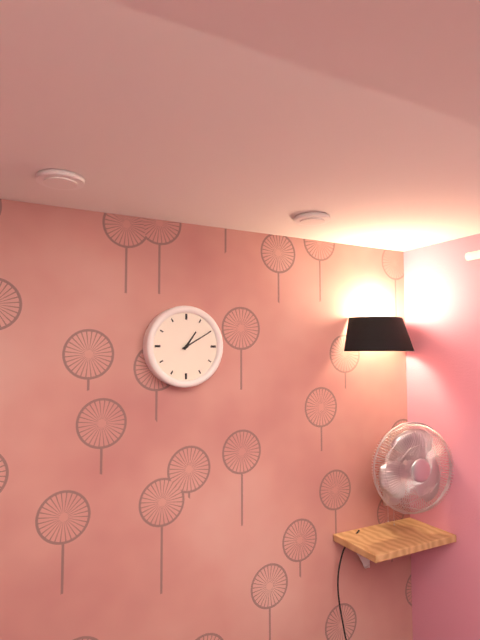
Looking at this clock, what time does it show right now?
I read 1:10
